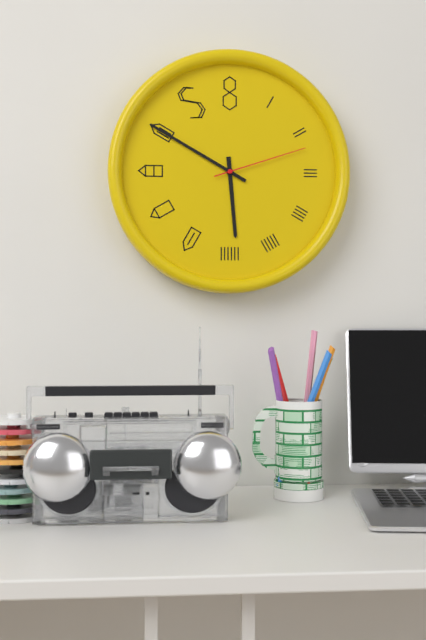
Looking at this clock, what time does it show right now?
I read 5:50:12
